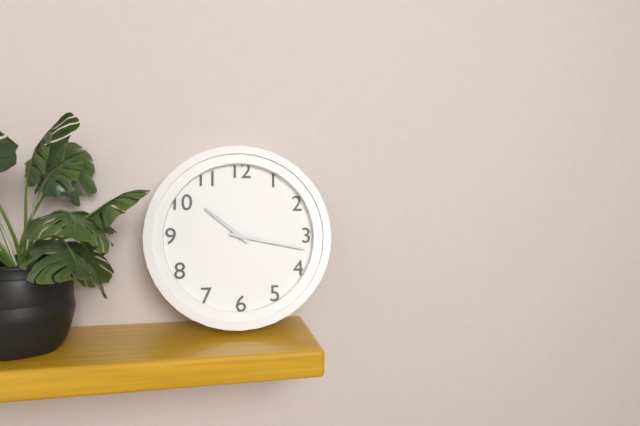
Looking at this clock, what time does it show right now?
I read 10:17
